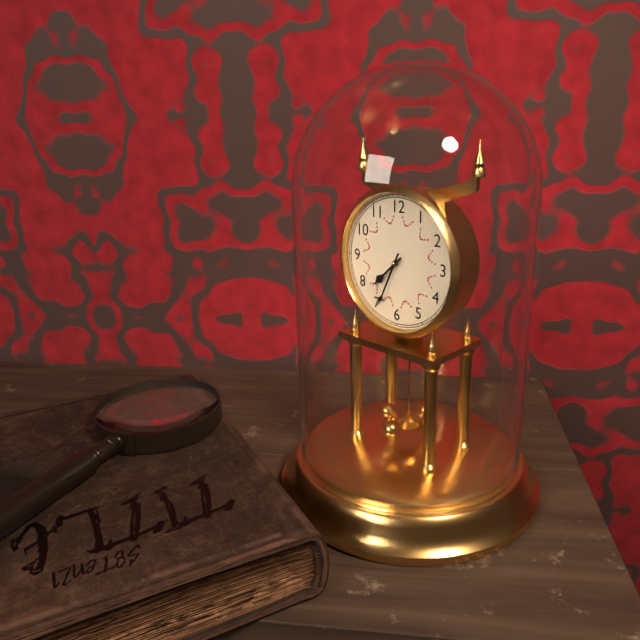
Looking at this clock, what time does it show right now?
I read 7:34
